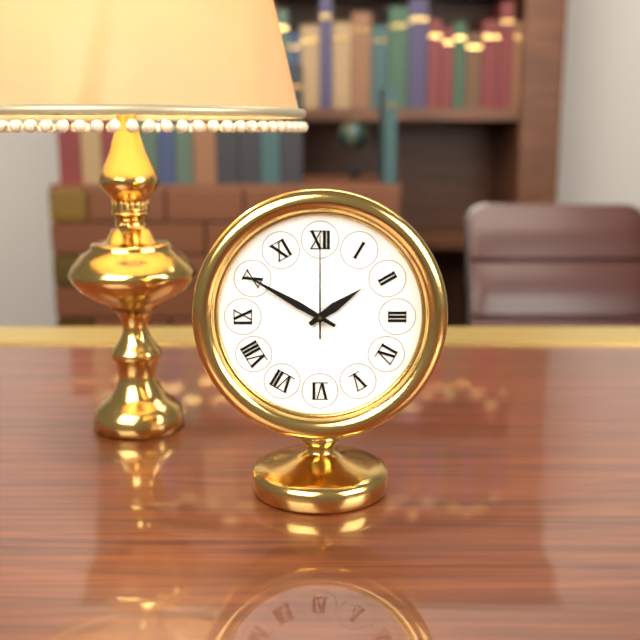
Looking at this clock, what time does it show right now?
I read 1:50:00
